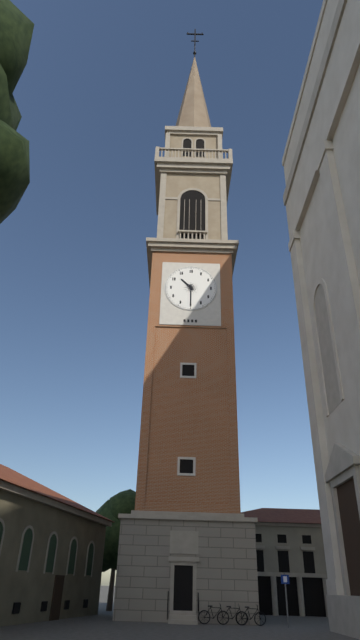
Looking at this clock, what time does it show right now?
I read 10:30
